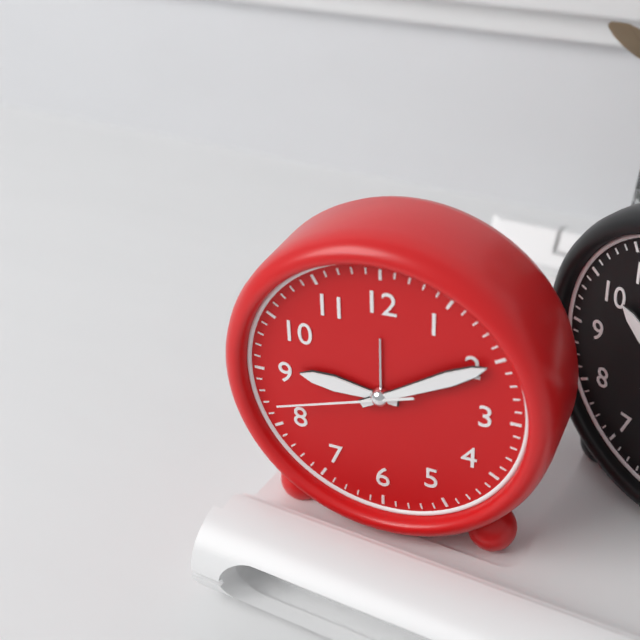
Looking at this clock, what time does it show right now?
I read 9:10:42
